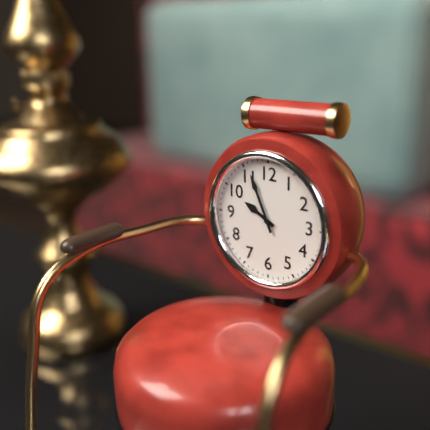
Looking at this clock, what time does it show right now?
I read 9:56
